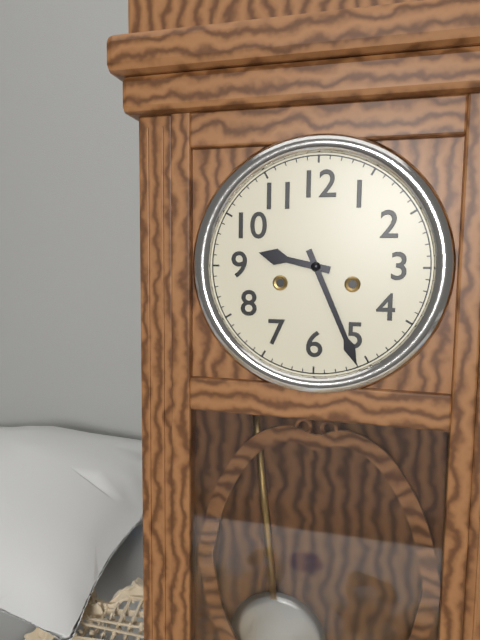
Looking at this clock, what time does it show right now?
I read 9:26
